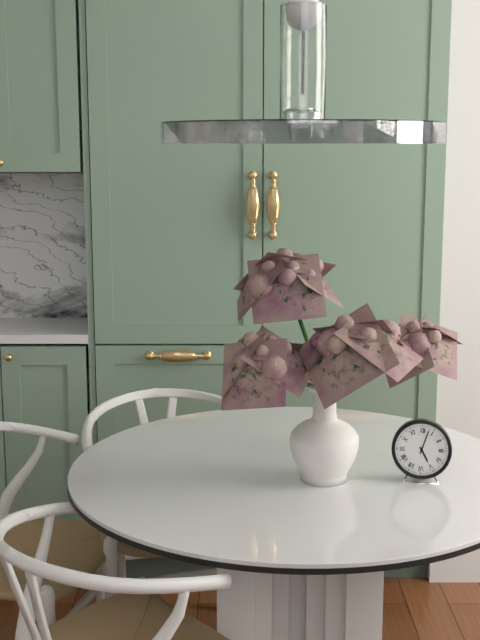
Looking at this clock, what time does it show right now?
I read 5:03
